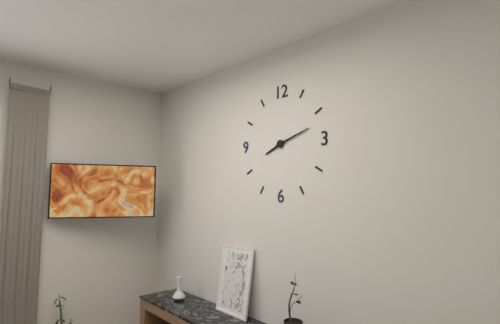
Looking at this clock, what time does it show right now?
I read 8:12
